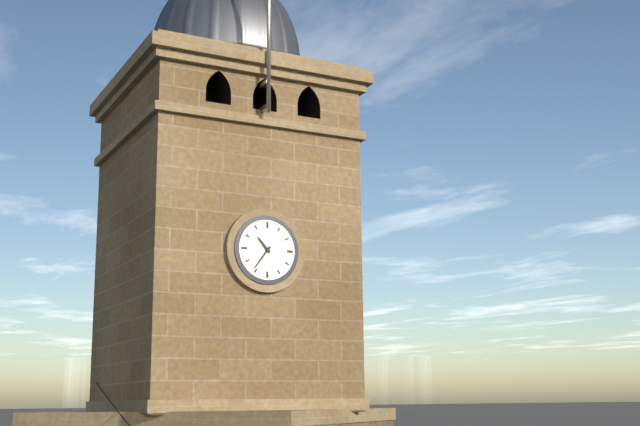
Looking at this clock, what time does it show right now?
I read 10:36
